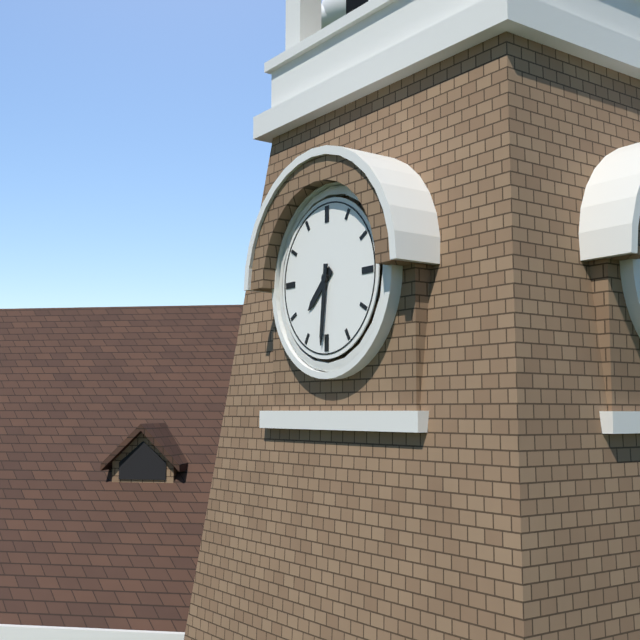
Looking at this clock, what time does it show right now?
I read 7:31
